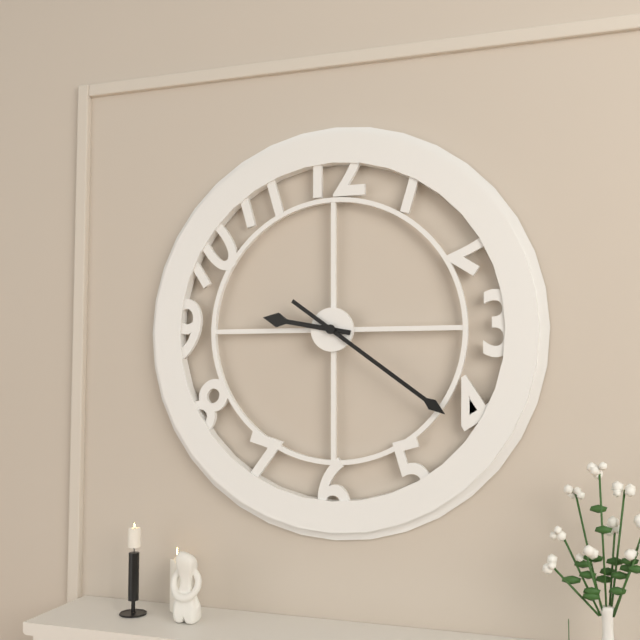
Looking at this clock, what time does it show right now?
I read 9:21
